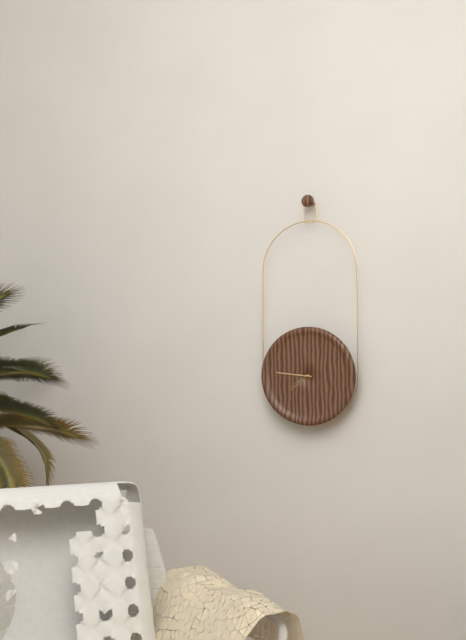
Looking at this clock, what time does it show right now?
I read 7:46
